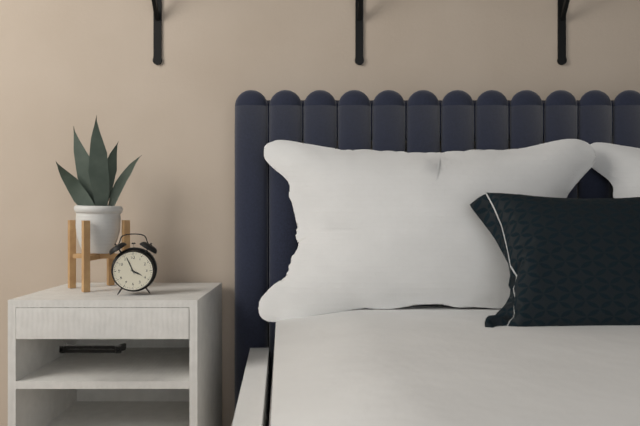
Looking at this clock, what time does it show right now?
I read 3:56
